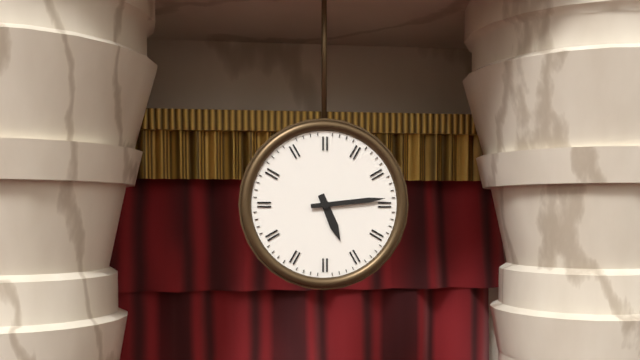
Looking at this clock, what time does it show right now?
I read 5:14
